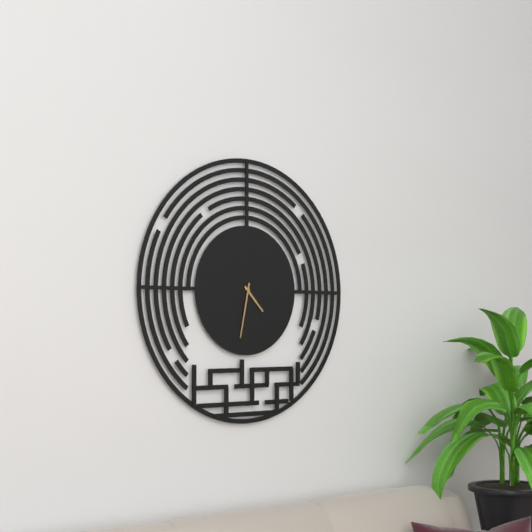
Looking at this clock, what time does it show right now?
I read 4:32
